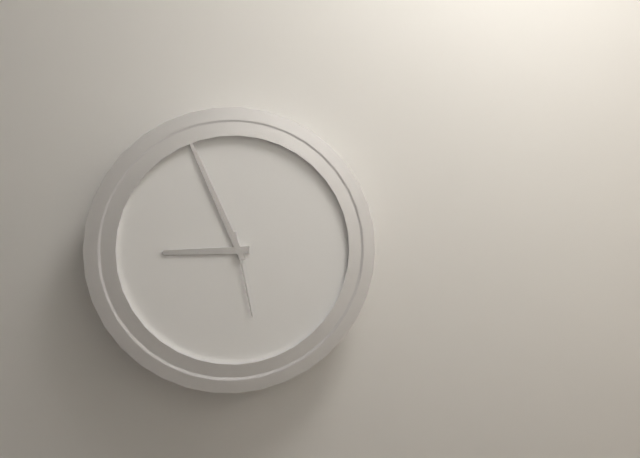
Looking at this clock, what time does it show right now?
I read 8:56:28
